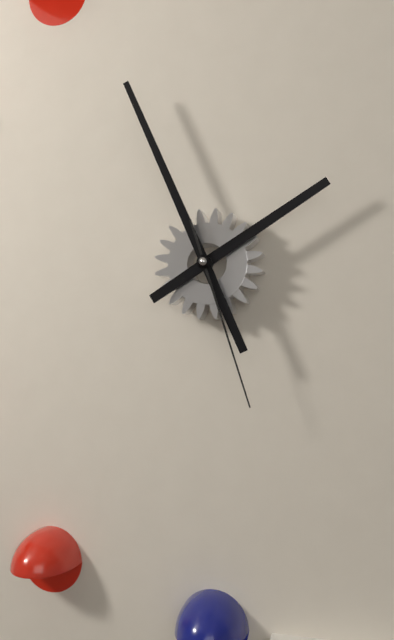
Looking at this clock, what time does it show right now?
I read 1:56:27
